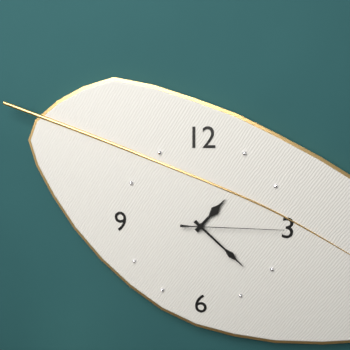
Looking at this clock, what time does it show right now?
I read 1:22:15
